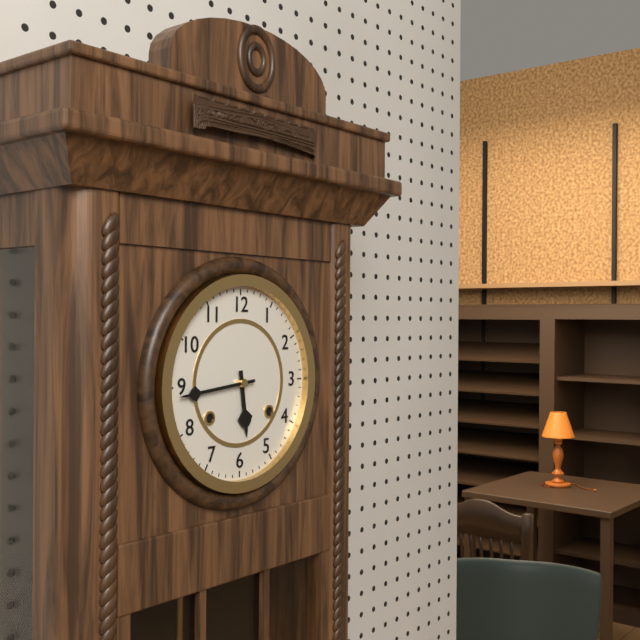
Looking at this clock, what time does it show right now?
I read 5:44
